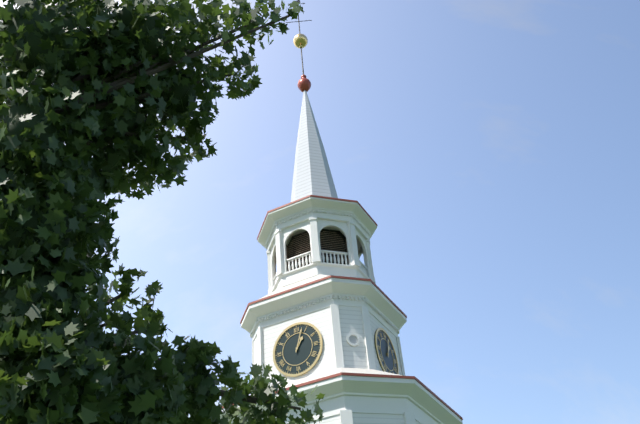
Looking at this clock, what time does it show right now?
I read 1:03
